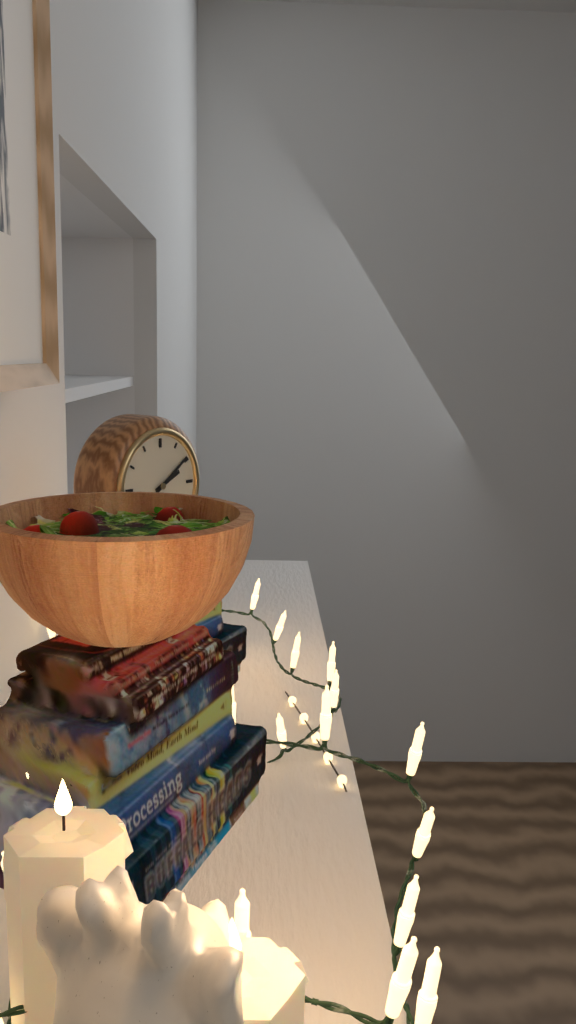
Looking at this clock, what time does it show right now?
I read 2:09
